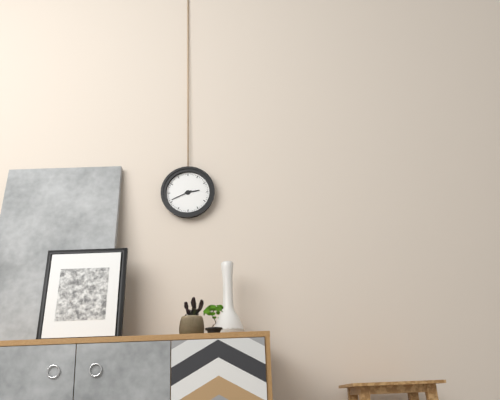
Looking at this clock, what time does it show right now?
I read 2:41
